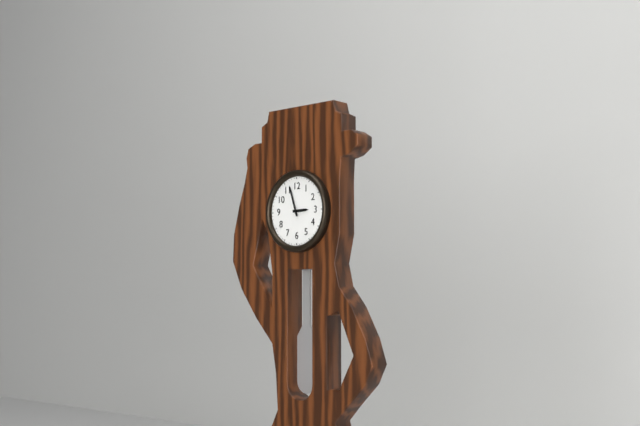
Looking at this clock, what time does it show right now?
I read 2:57
